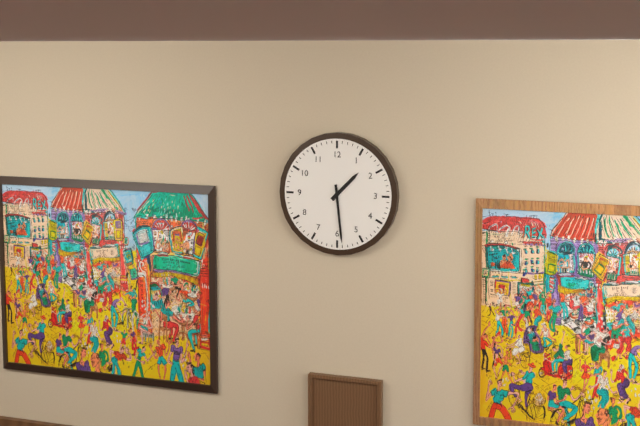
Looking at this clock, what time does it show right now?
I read 1:29
